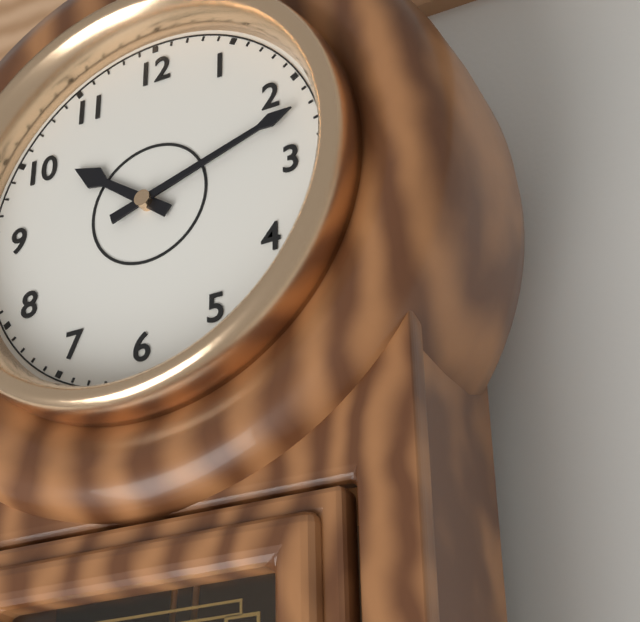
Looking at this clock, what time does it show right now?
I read 10:12
